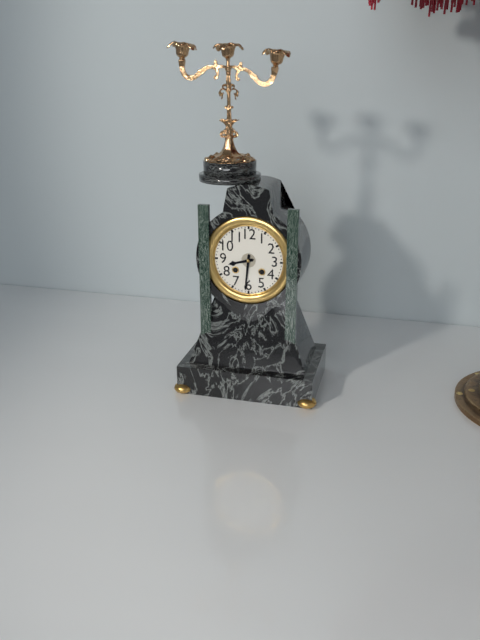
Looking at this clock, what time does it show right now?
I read 8:31
